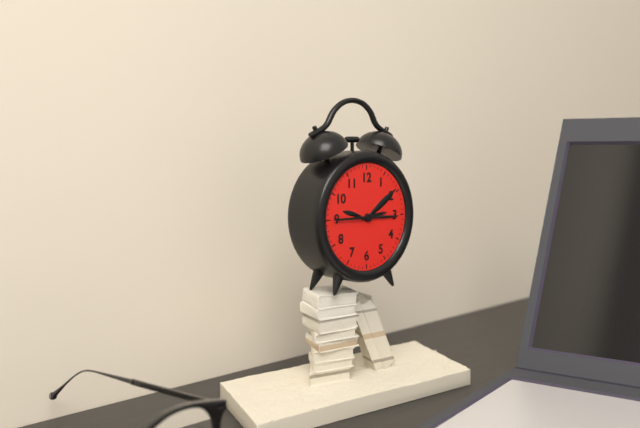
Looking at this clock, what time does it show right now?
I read 2:45
